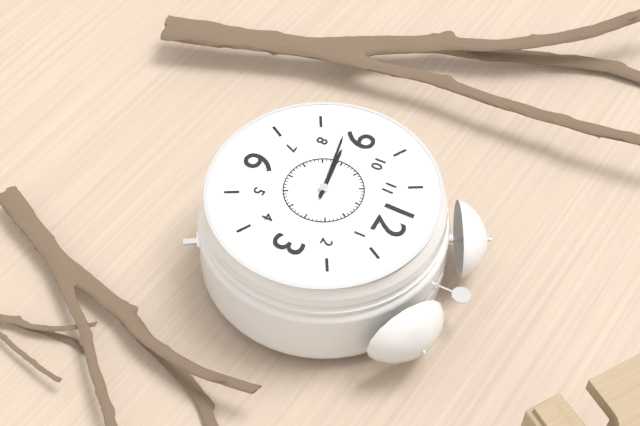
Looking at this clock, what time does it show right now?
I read 8:43
